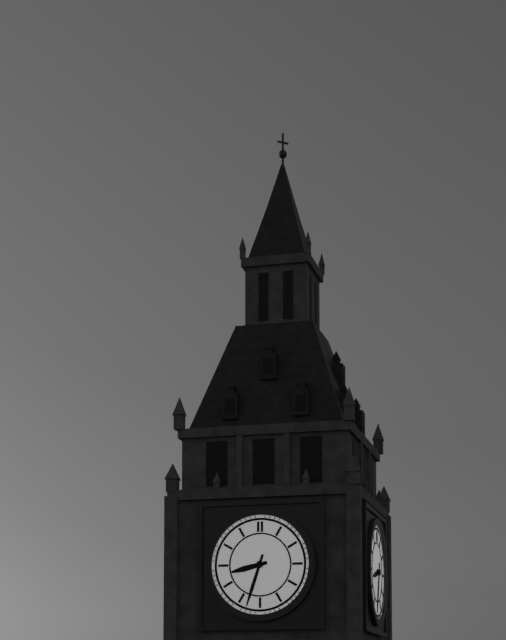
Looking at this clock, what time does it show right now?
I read 8:33
